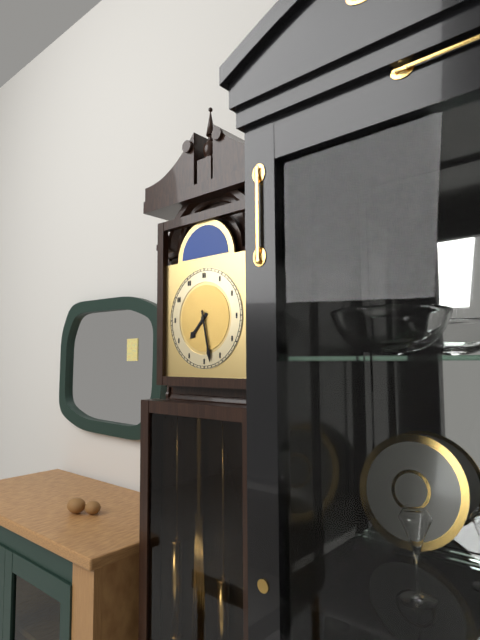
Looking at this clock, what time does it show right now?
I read 7:28
